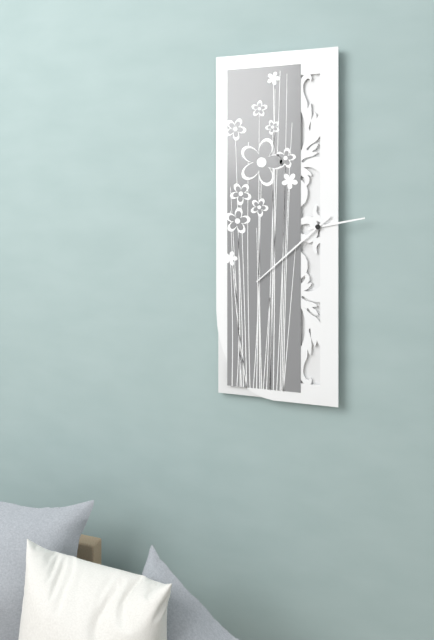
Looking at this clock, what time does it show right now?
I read 2:38
